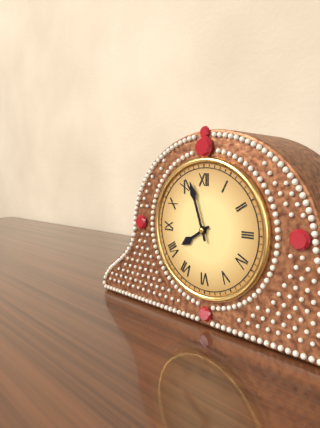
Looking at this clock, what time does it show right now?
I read 7:57
